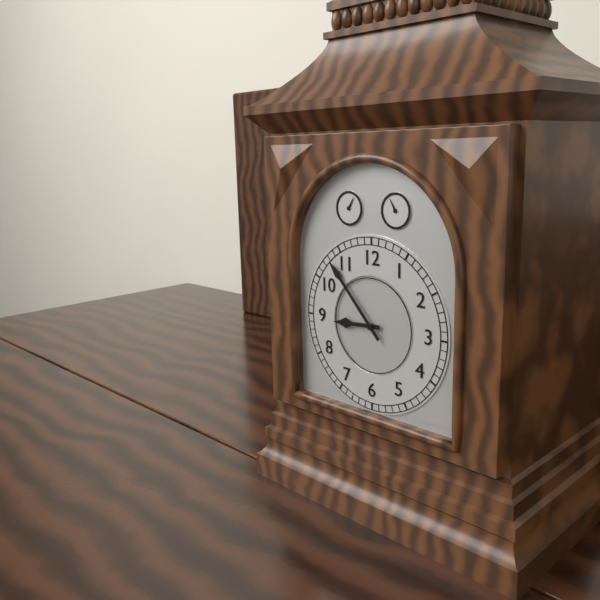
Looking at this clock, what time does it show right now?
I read 8:53
